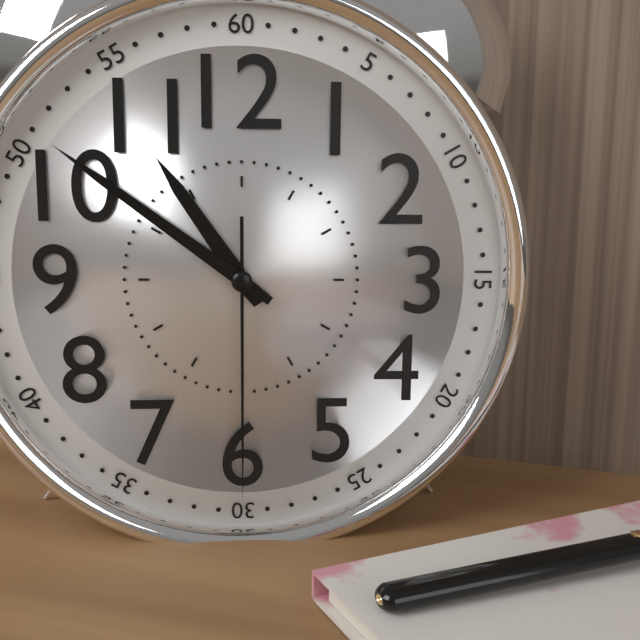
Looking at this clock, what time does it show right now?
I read 10:51:30
